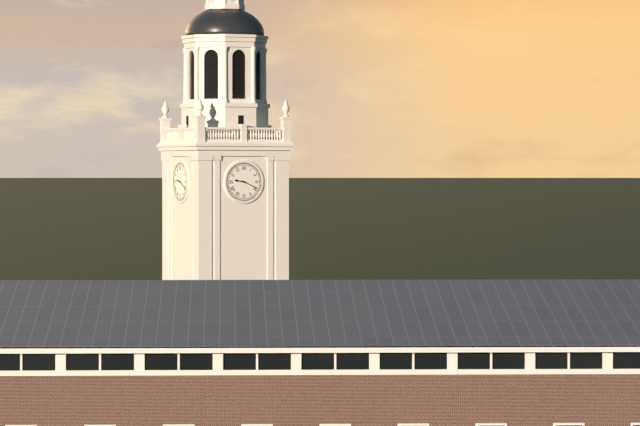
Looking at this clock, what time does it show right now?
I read 9:19
